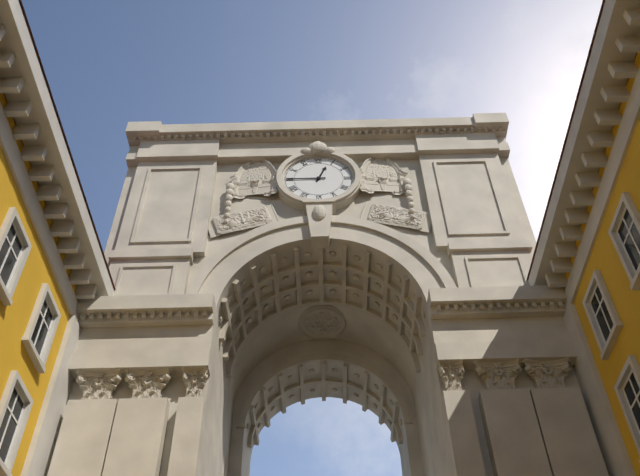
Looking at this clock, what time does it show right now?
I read 12:45
